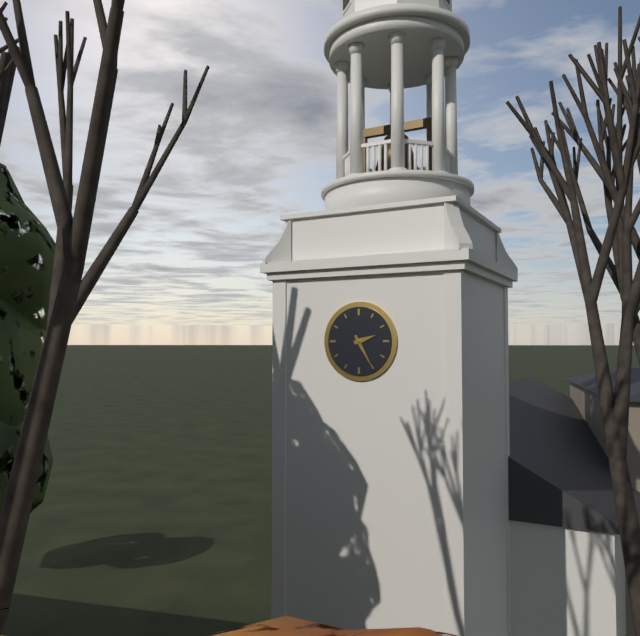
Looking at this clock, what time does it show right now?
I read 2:25
